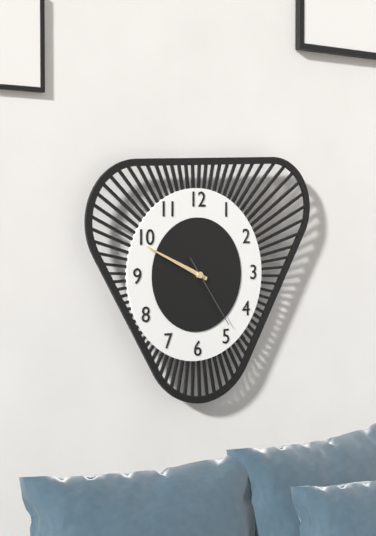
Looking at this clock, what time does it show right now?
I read 9:49:24
